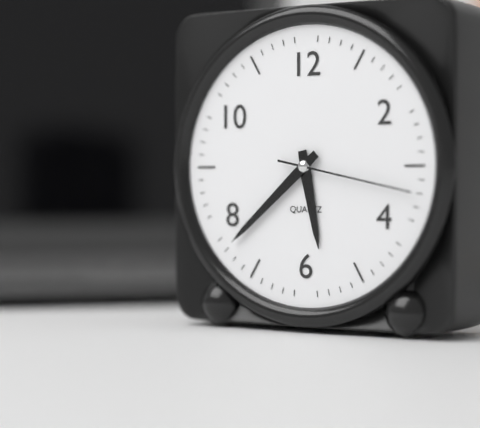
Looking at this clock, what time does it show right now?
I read 5:38:17
